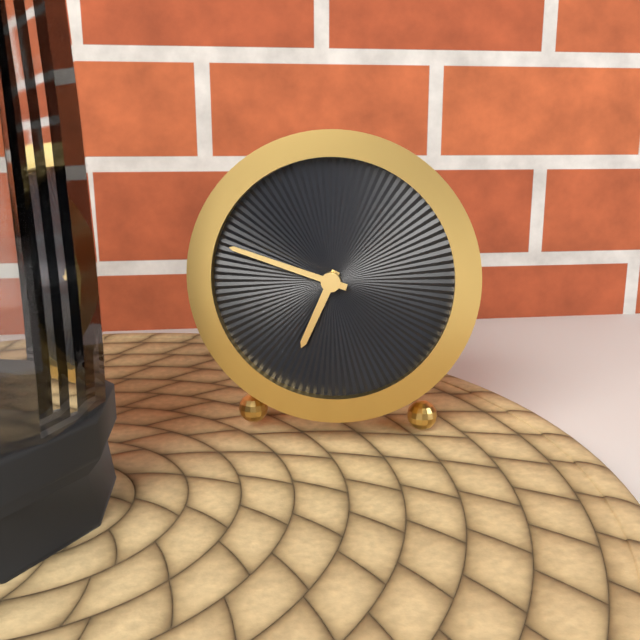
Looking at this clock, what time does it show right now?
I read 6:48
